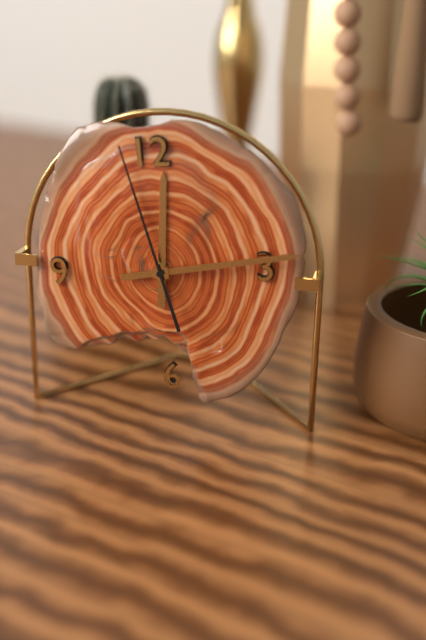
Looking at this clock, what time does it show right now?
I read 12:14:58
